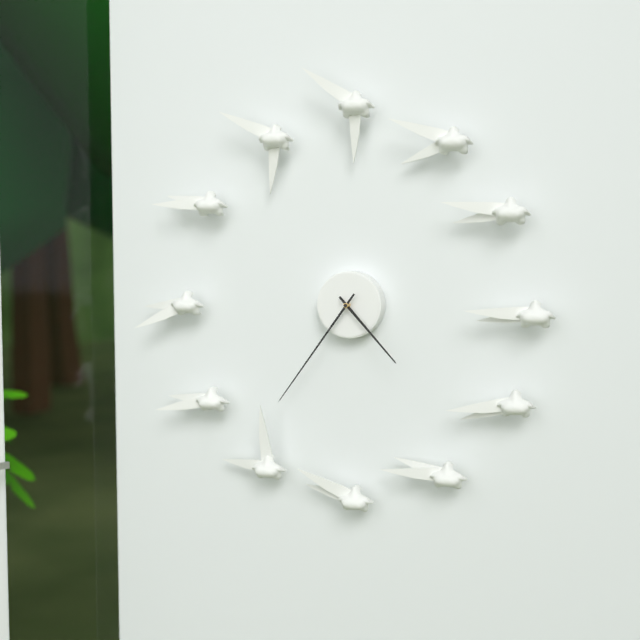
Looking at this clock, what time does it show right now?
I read 4:36
